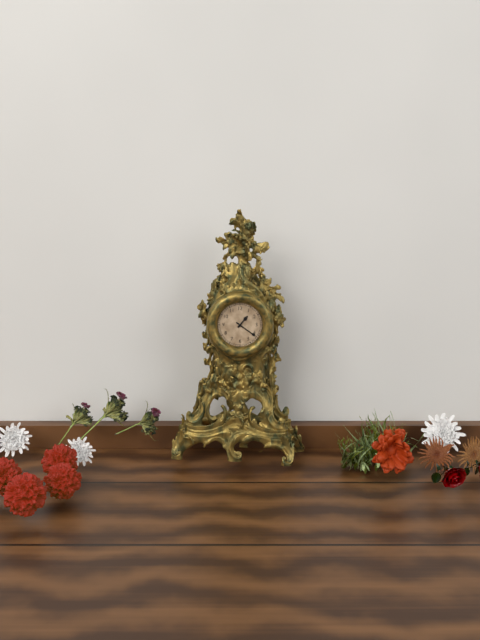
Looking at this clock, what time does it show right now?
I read 1:21
